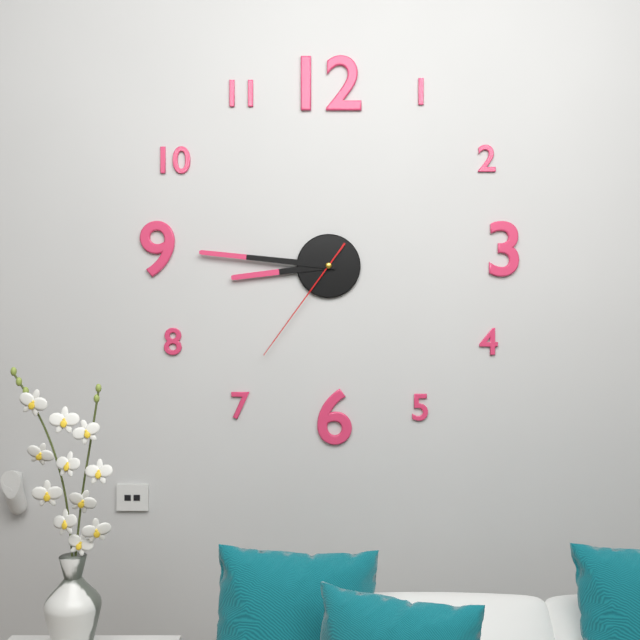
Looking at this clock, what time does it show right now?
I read 8:46:36
